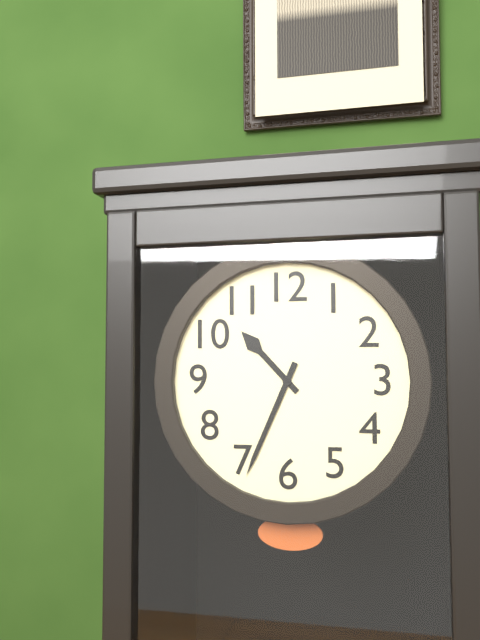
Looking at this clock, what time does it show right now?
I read 10:34
